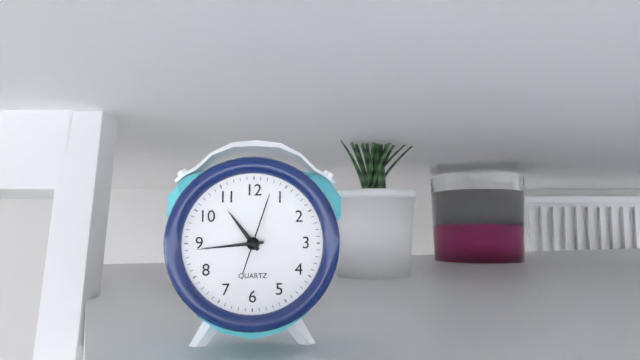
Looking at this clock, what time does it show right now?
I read 10:44:03
